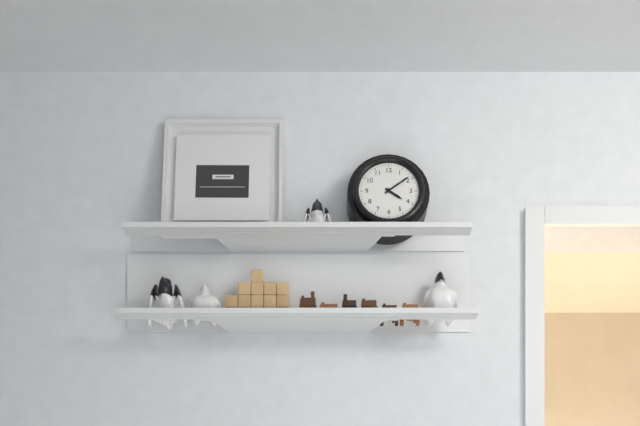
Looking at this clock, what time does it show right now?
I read 4:09
